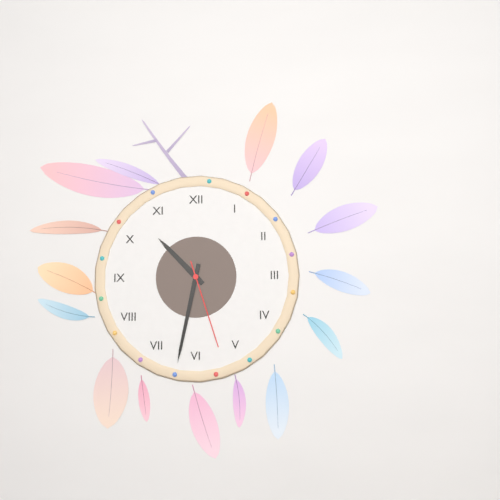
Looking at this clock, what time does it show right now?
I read 10:32:27
